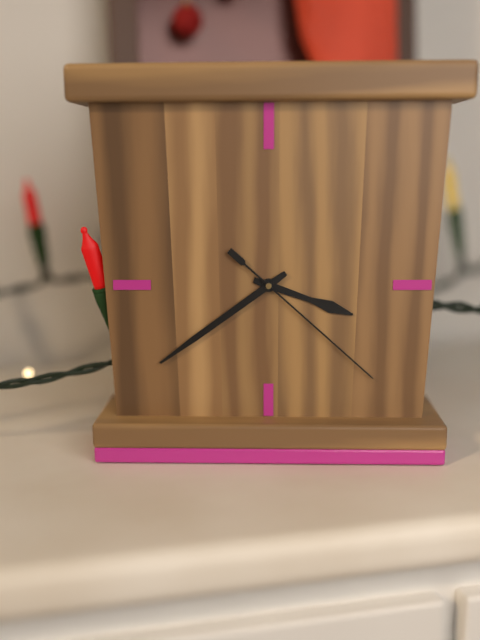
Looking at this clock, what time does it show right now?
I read 3:39:22
